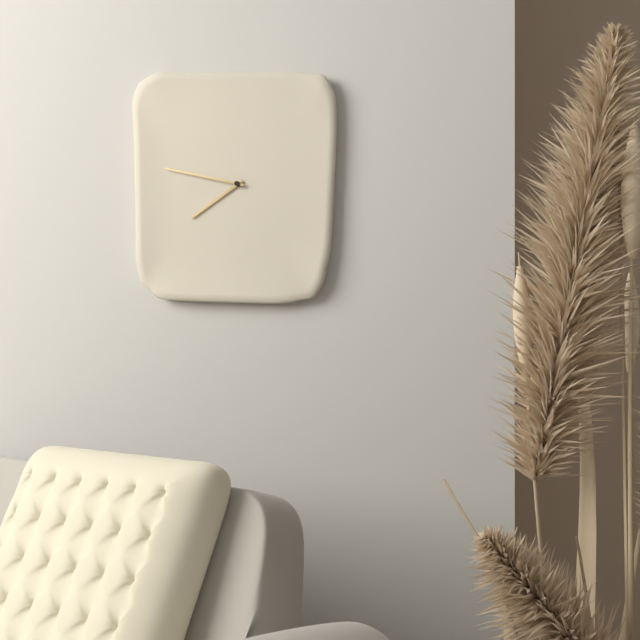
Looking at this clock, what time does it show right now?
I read 7:47
